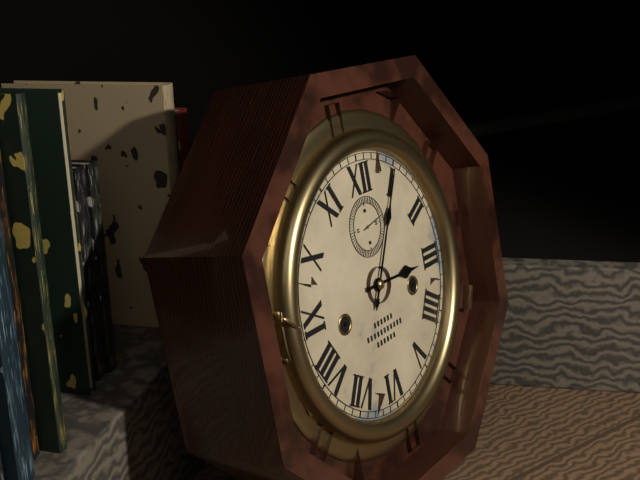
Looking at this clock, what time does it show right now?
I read 3:05
